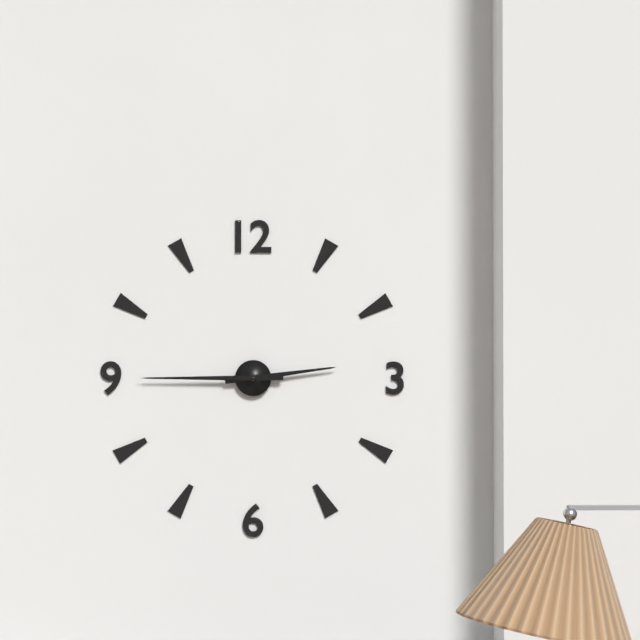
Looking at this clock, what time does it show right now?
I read 2:45
